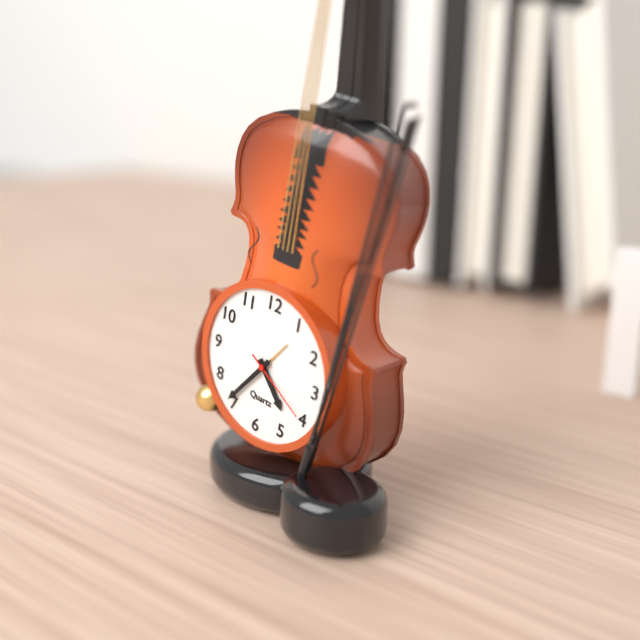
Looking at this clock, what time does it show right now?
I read 4:36:20
